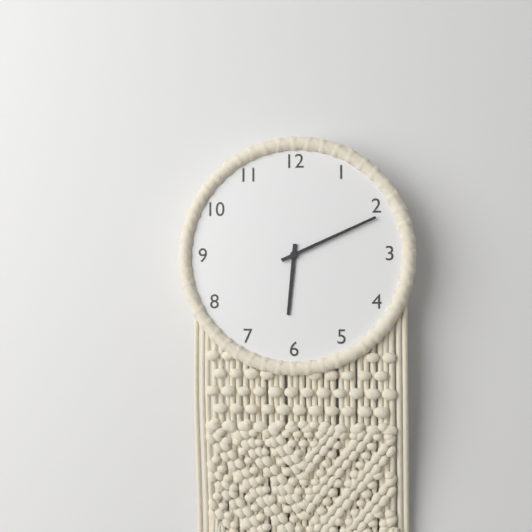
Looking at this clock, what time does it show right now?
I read 6:11
